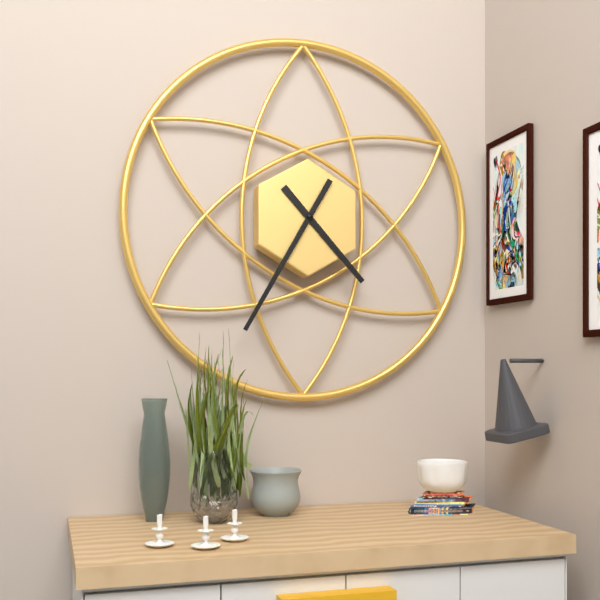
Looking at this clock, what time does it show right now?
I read 4:35
